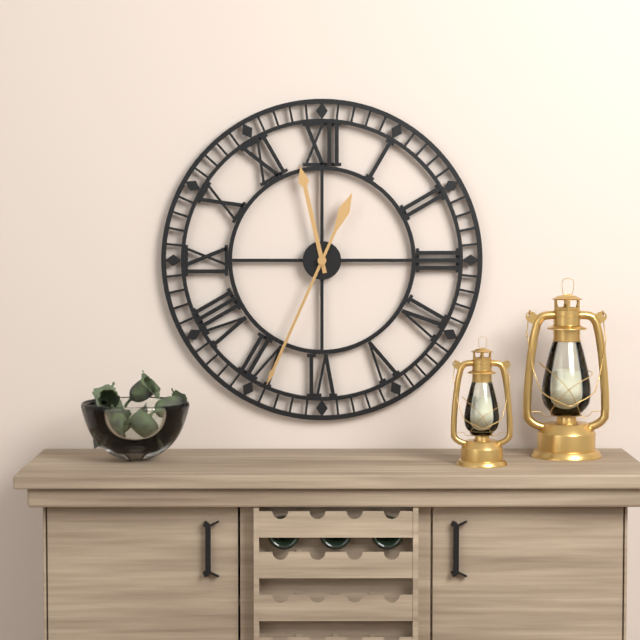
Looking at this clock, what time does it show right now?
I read 11:34
